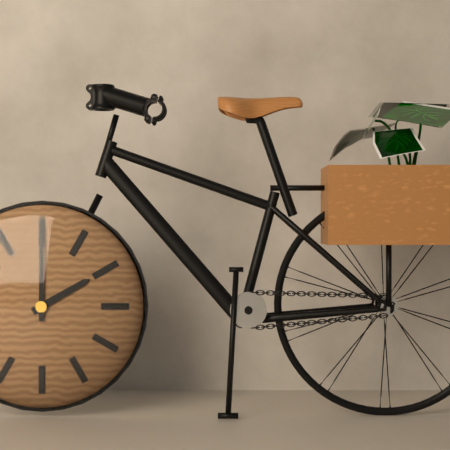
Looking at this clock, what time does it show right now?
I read 2:00
